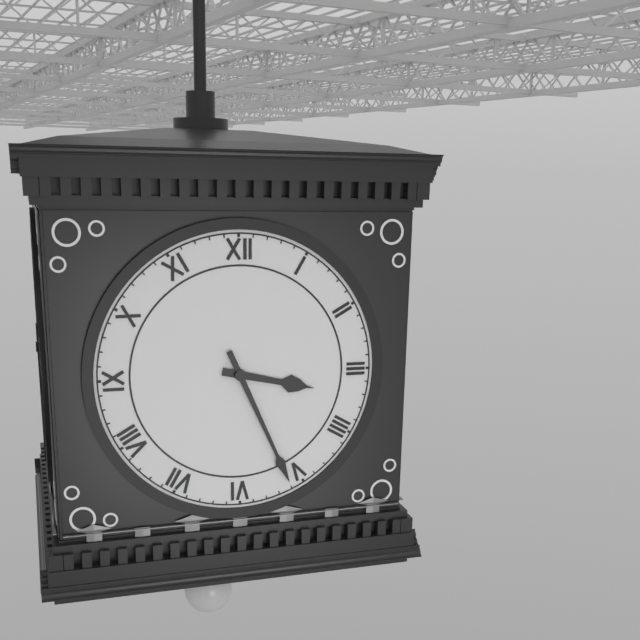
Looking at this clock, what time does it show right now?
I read 3:26
